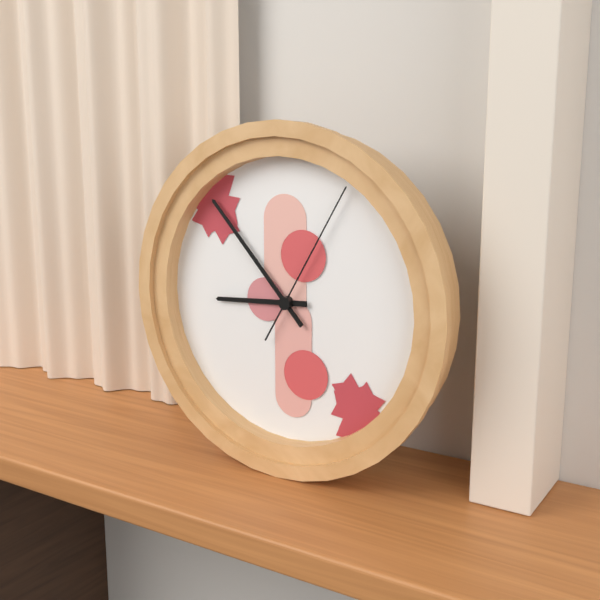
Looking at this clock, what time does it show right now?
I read 8:53:05
